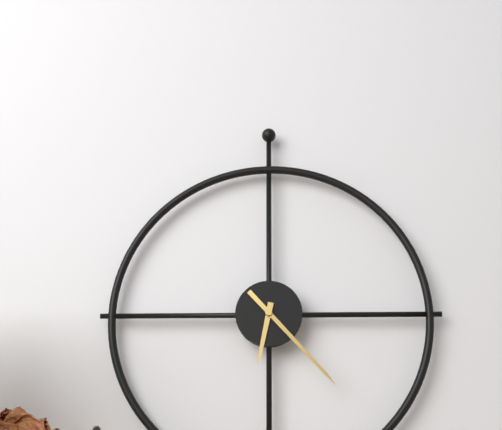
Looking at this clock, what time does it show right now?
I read 6:23
